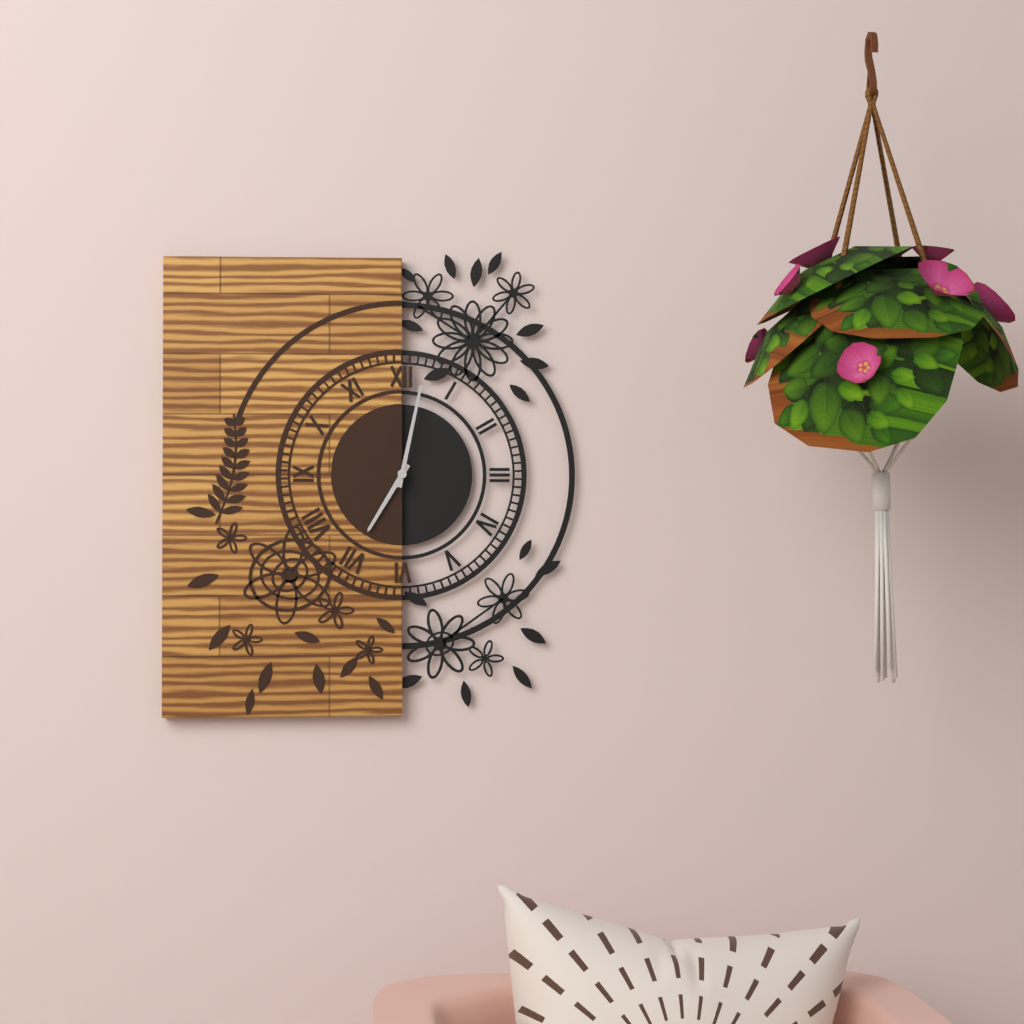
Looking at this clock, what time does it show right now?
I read 7:02
